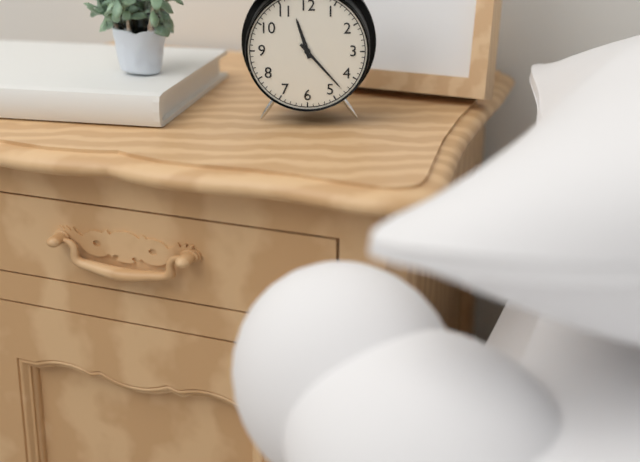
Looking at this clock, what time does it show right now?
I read 11:23
